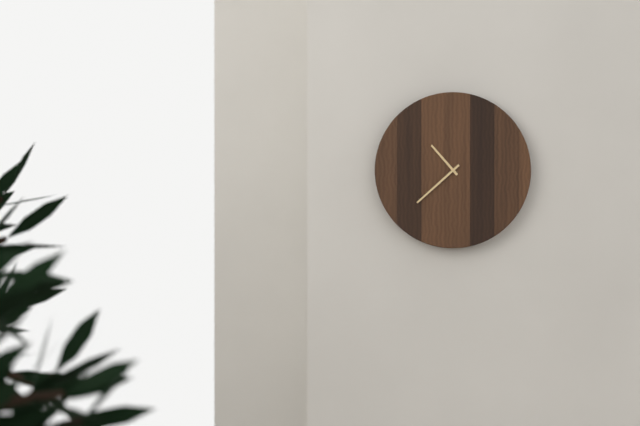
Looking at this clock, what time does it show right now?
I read 10:38
